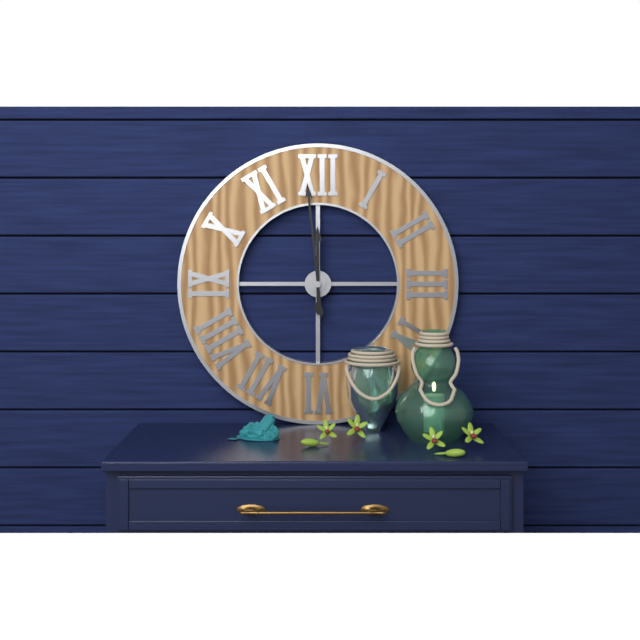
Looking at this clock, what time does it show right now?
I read 11:59
